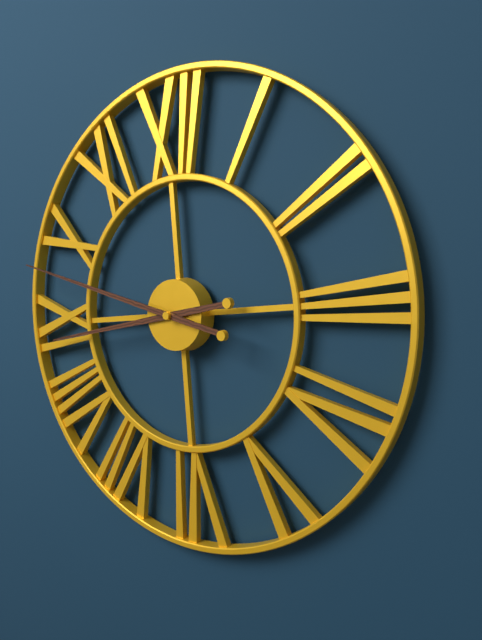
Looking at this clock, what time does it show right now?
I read 8:48
